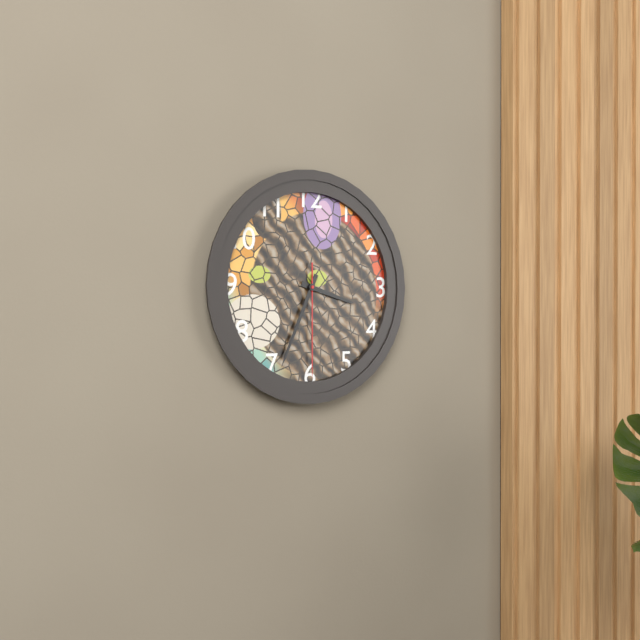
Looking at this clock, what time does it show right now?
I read 3:34:30
